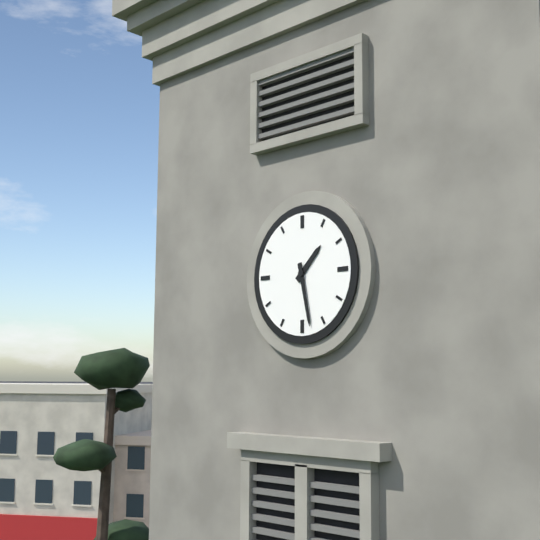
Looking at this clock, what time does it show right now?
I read 1:28
